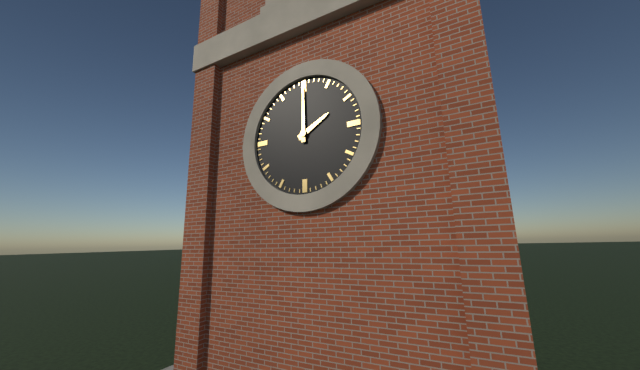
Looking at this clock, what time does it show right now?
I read 2:00
